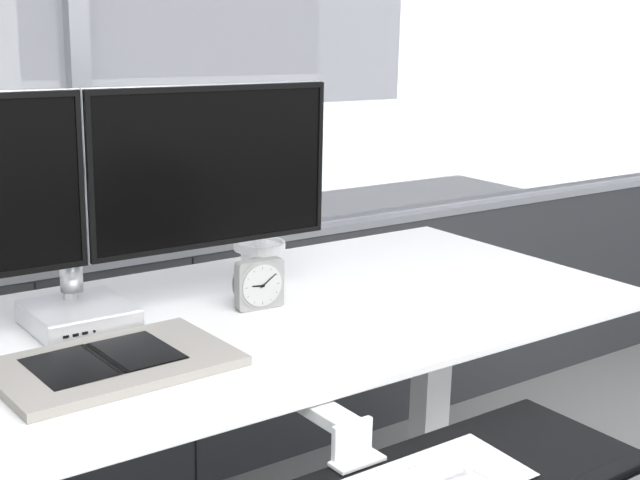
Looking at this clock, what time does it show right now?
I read 9:09
